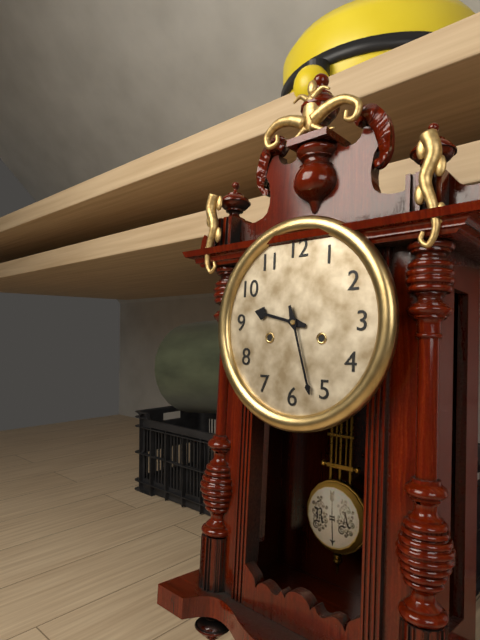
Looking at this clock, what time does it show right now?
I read 9:27
